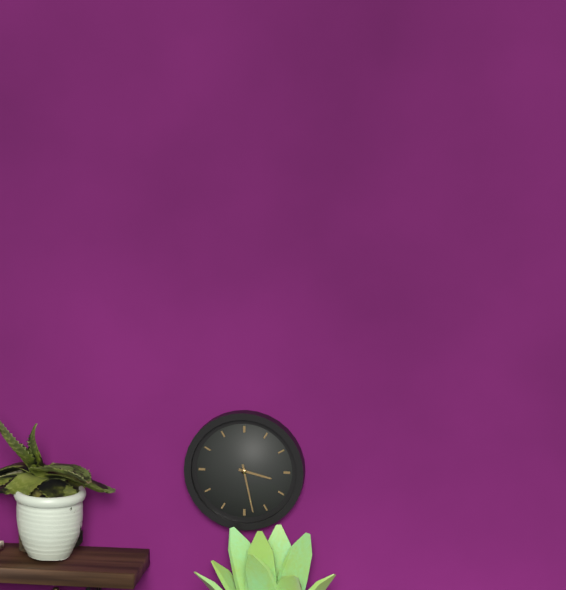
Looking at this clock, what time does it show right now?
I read 3:28
